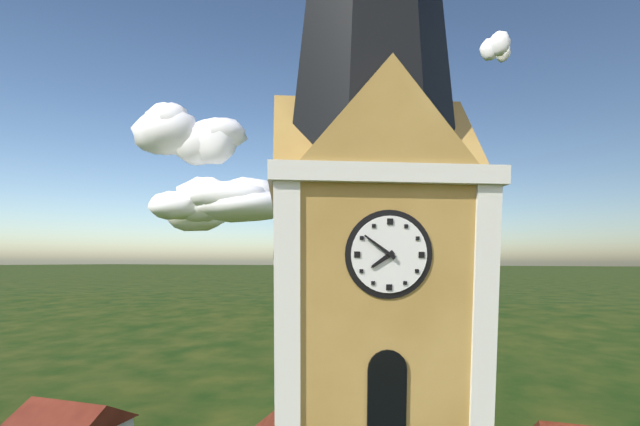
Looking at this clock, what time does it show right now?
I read 7:51
